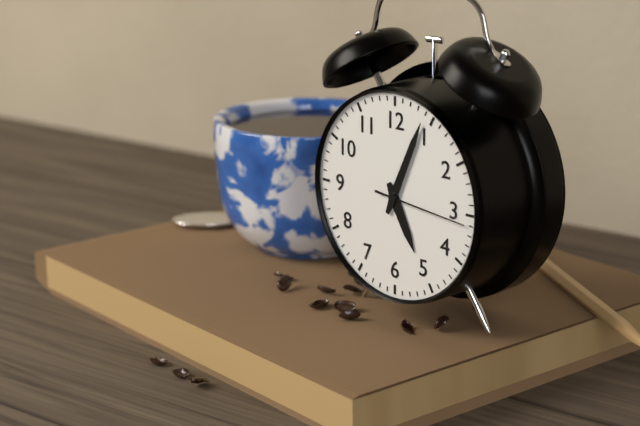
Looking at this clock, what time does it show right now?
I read 5:04:16
